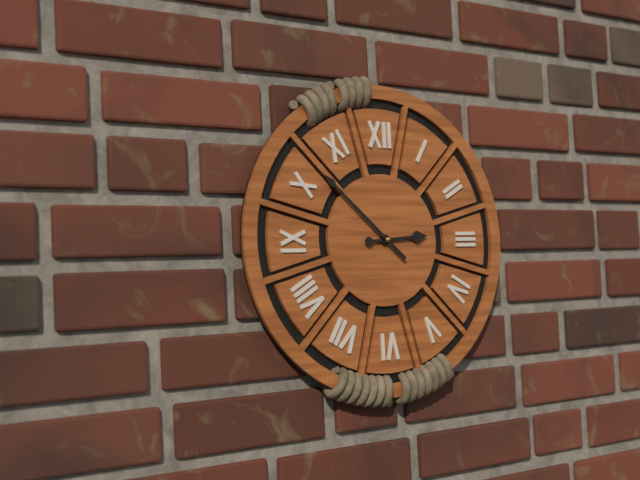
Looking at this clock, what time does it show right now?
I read 2:52
